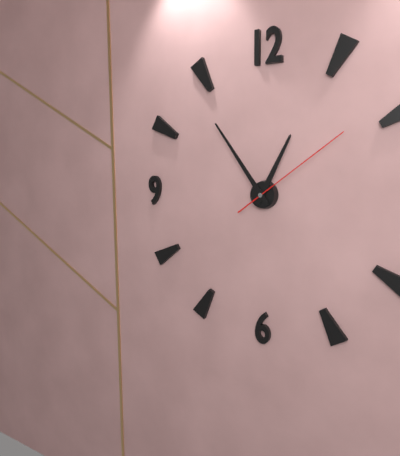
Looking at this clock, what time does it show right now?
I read 12:54:09
